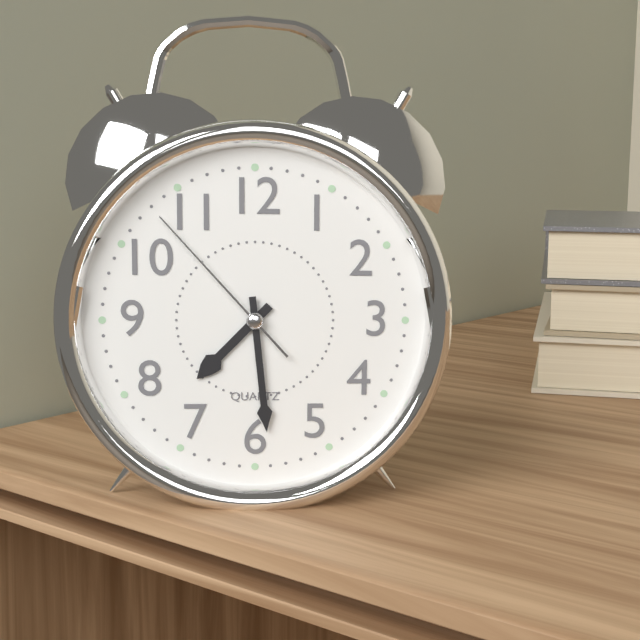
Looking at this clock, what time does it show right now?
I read 7:29:53
